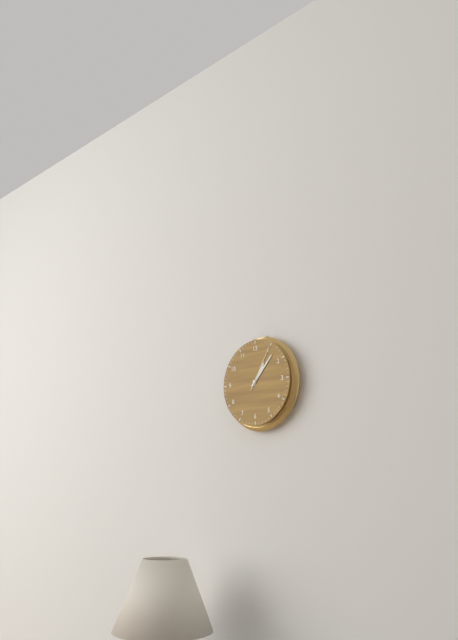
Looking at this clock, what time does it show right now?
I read 1:07
